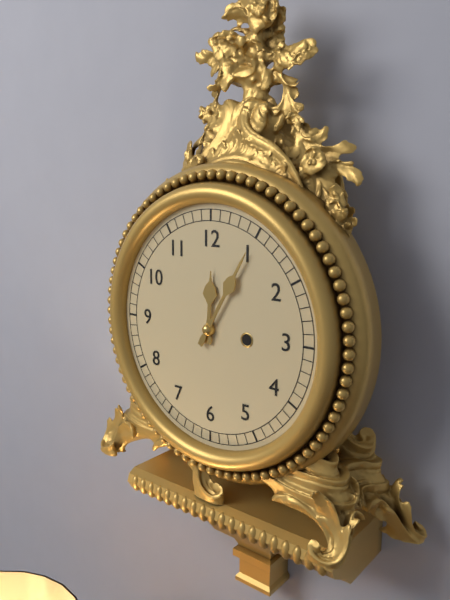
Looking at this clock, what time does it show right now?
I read 12:05
